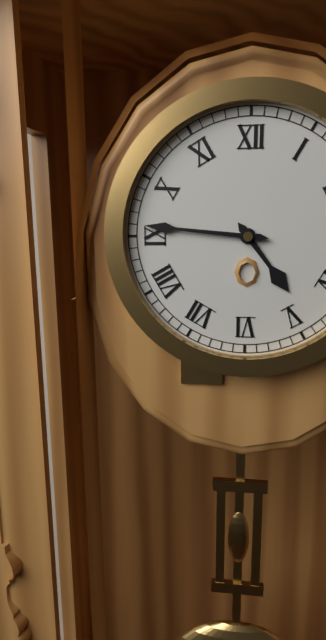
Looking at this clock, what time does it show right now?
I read 4:46
